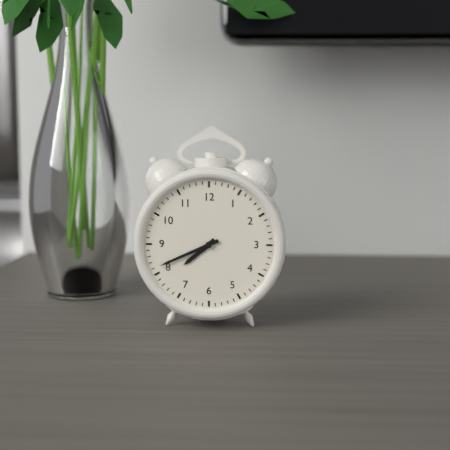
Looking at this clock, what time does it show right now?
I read 7:41
